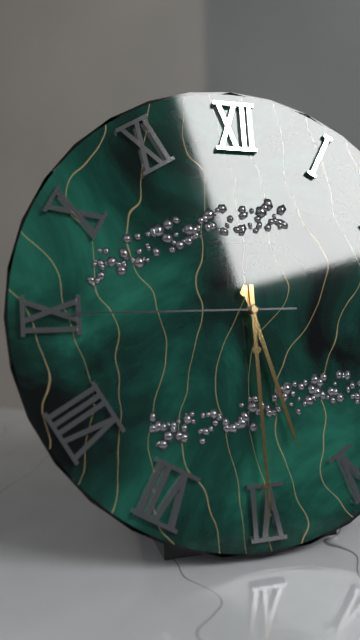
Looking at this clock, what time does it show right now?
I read 5:30:45
